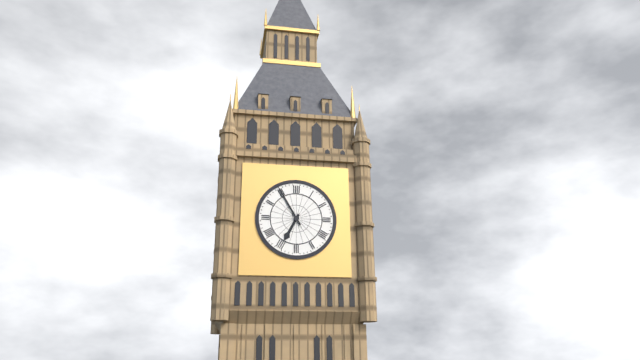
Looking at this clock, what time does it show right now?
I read 6:55
